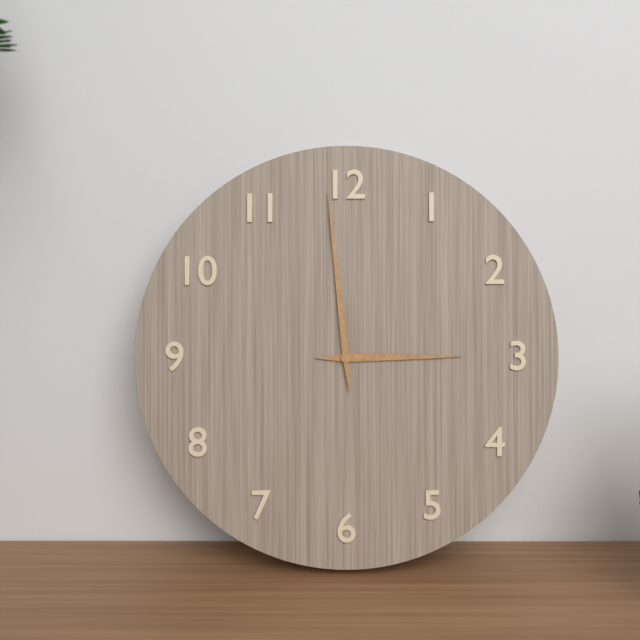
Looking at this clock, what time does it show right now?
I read 2:59
